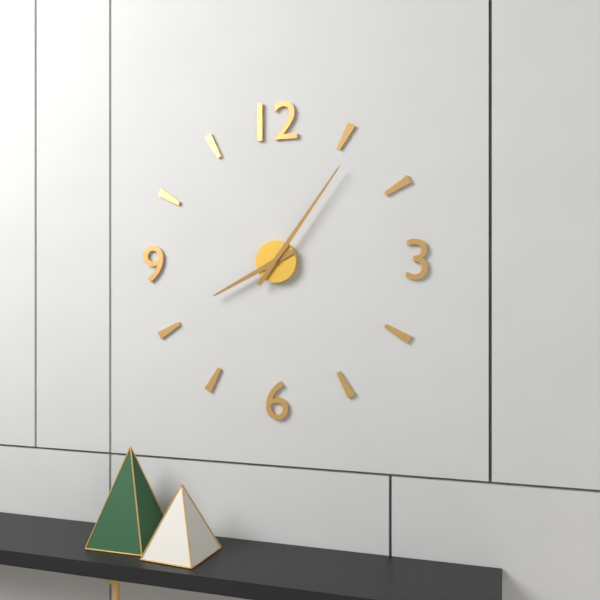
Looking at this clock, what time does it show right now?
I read 8:06
